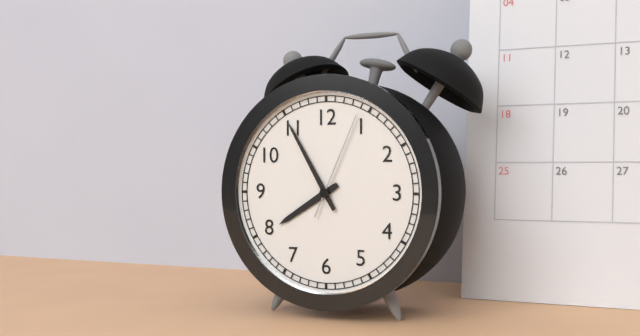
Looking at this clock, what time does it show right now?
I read 7:55:04
